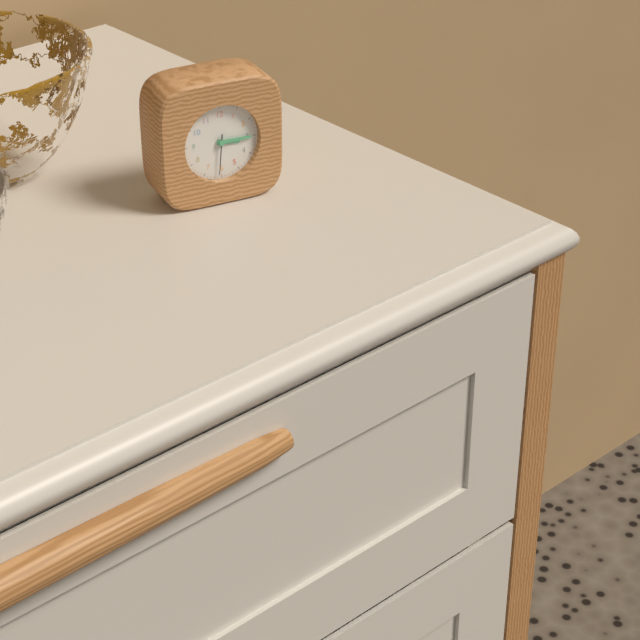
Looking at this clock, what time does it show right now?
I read 3:15
